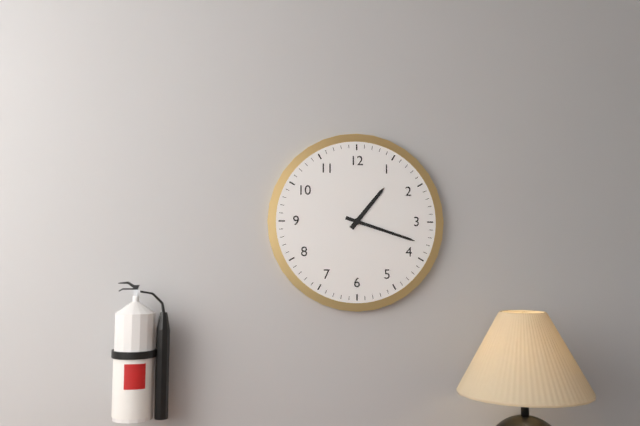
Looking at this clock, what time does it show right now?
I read 1:18
